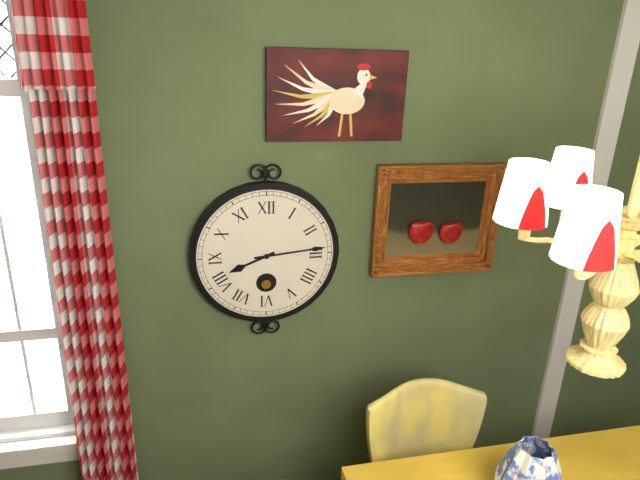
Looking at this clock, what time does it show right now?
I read 8:14
